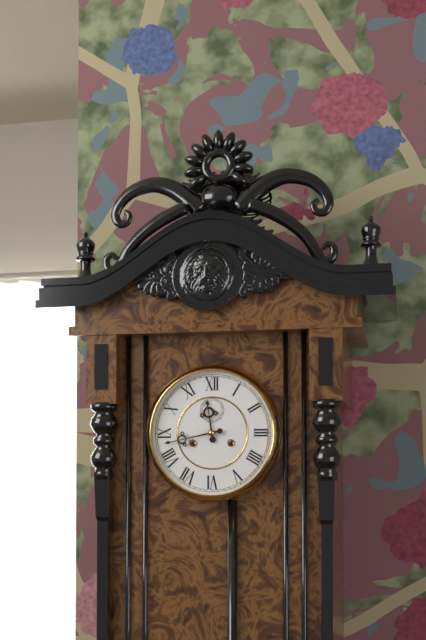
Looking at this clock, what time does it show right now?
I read 11:43
